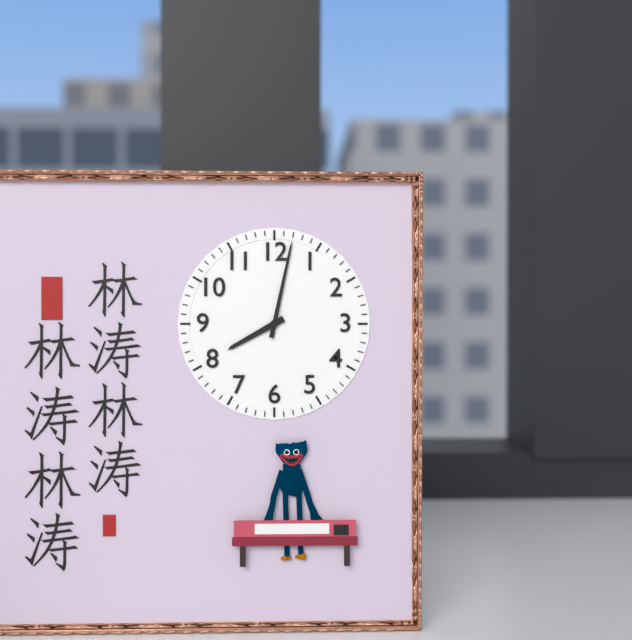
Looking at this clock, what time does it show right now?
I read 8:02
